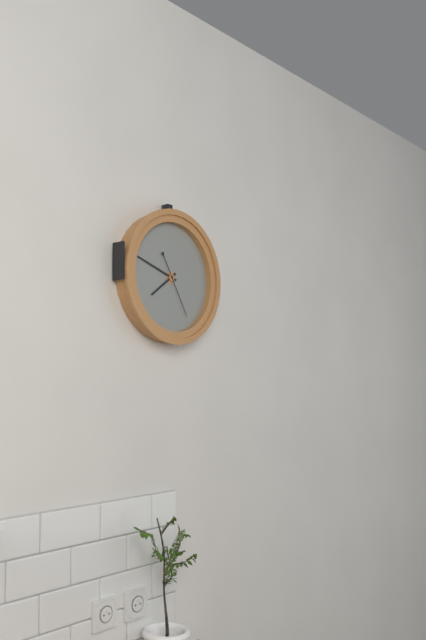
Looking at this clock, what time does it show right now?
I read 7:48:25
